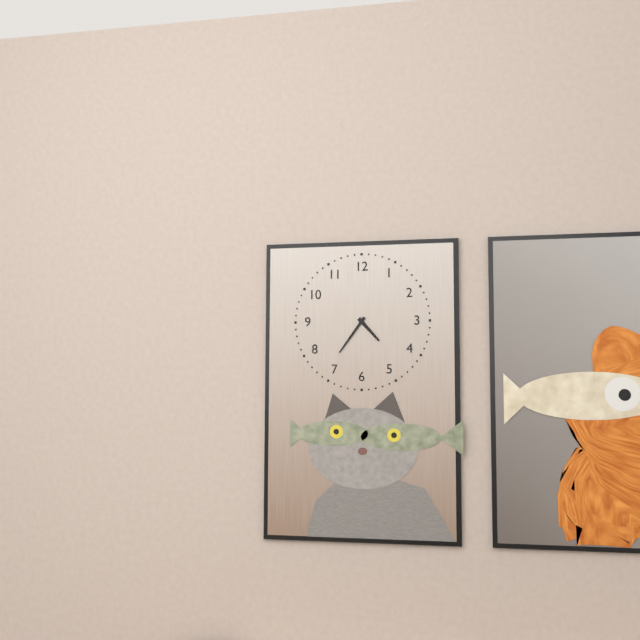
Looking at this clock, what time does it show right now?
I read 4:36
